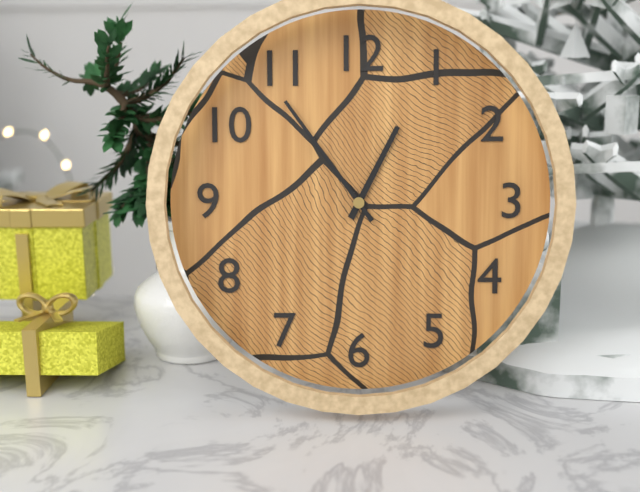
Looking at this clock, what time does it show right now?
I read 12:54
